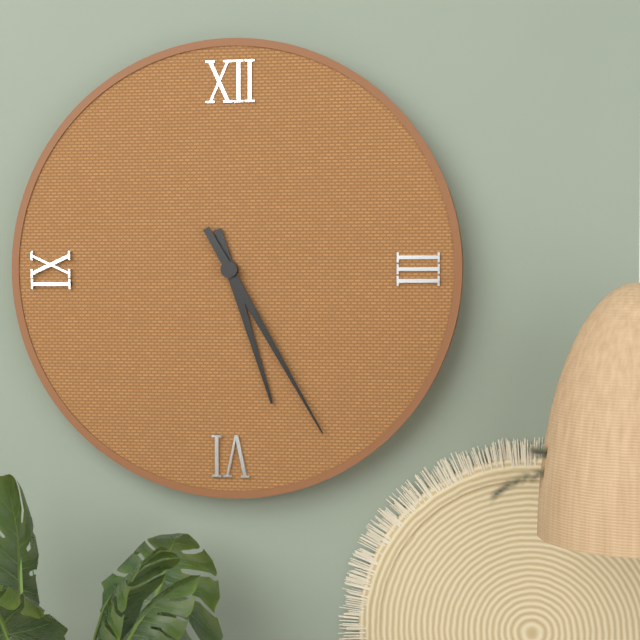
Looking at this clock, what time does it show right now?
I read 5:25
